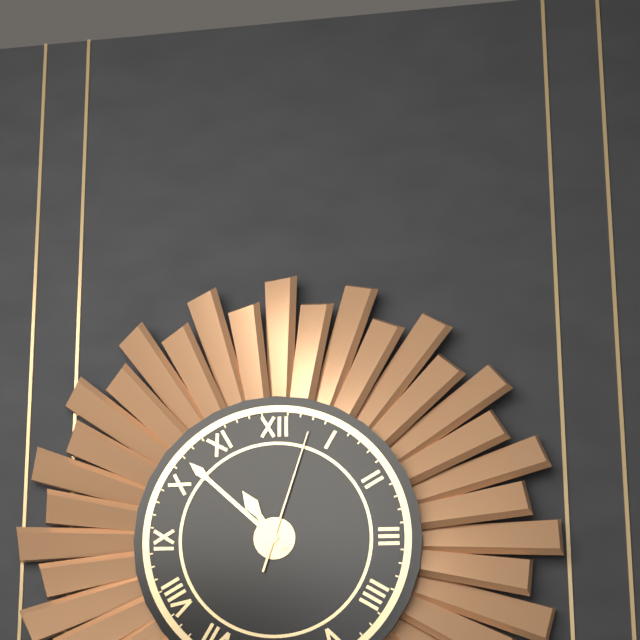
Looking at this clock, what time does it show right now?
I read 10:52:03
